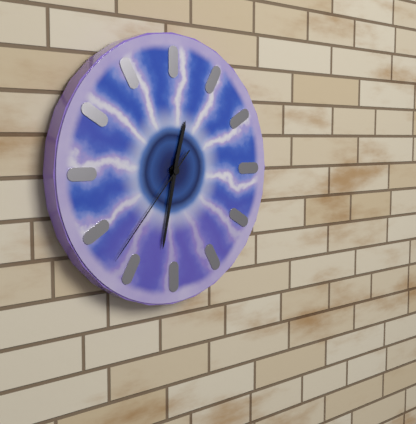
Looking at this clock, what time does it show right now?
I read 12:32:37
